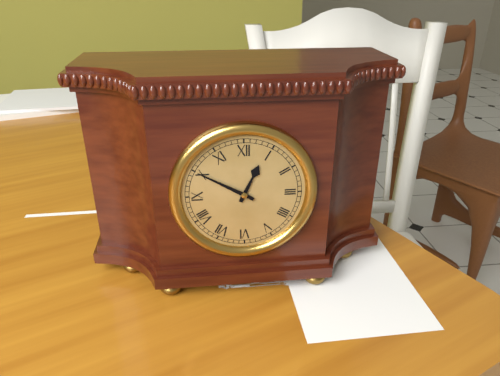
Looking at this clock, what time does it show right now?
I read 12:50
